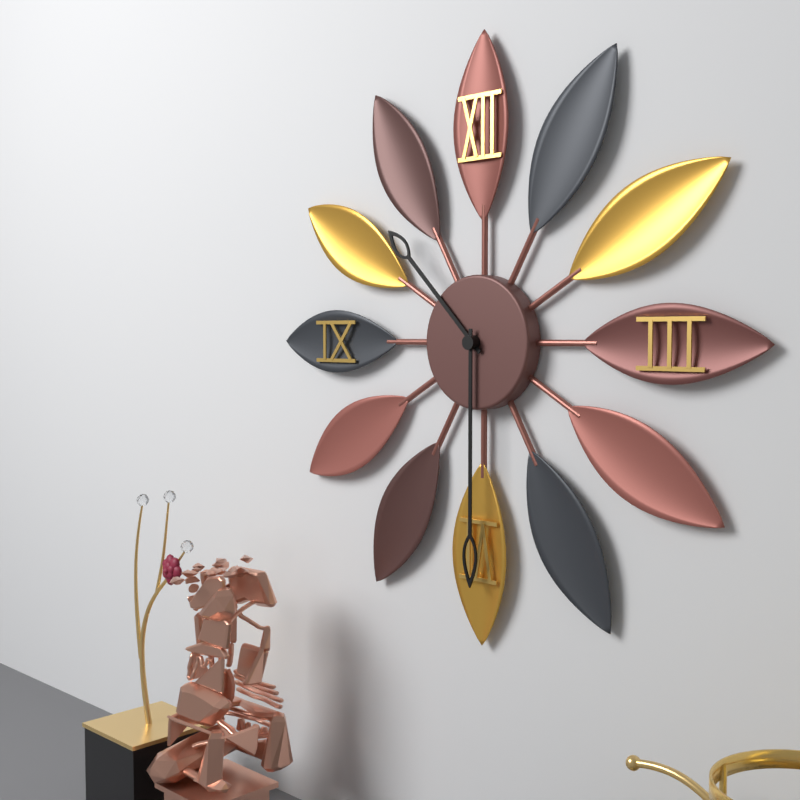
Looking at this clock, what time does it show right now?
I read 10:30
